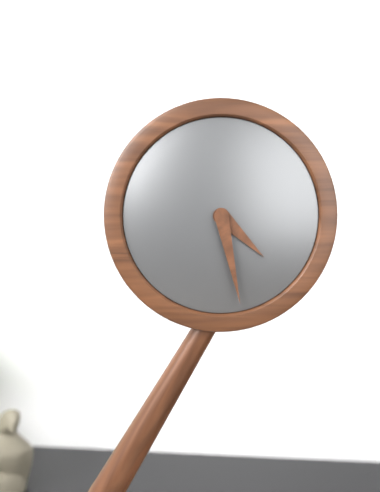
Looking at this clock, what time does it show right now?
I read 4:28
